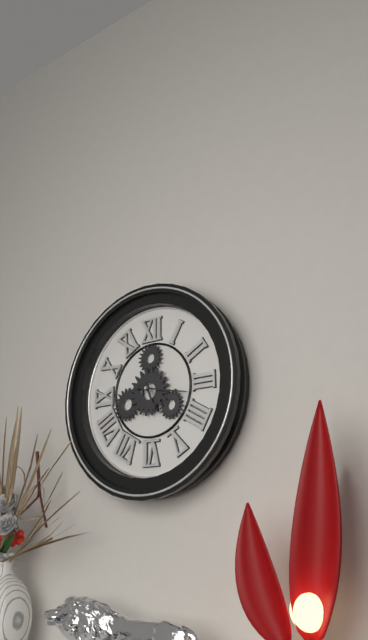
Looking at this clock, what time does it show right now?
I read 5:17
